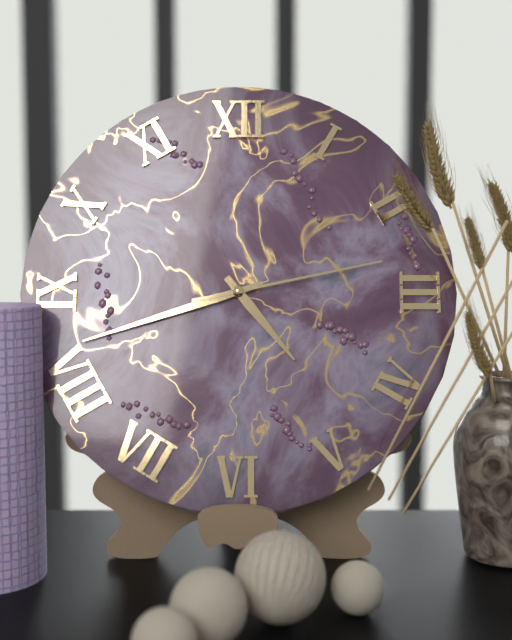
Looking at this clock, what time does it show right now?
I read 4:42:13
